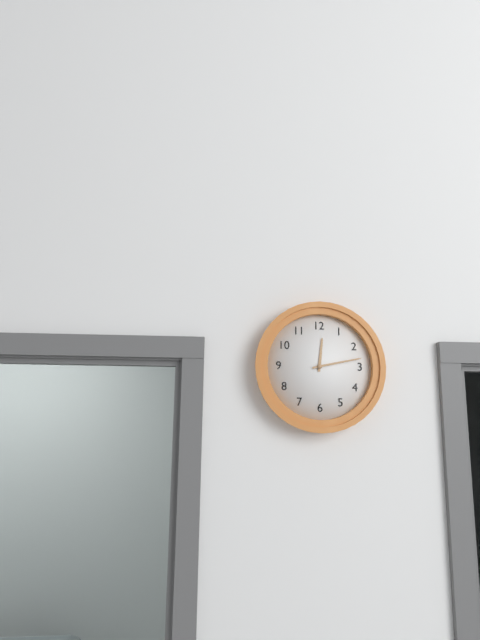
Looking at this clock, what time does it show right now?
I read 12:13
